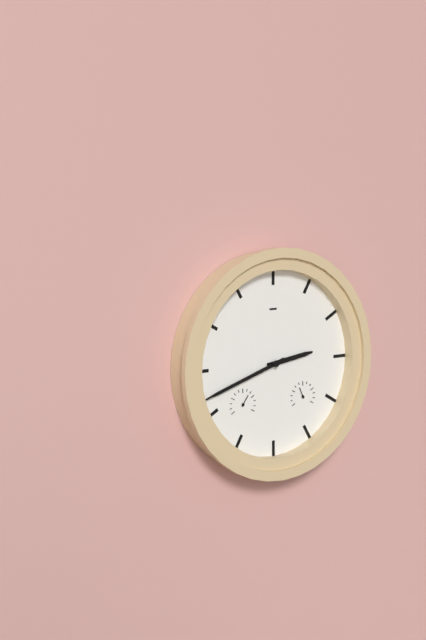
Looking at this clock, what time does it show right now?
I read 2:42
